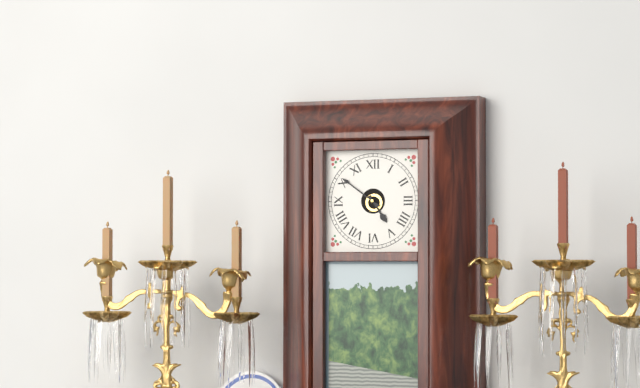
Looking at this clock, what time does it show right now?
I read 4:51
